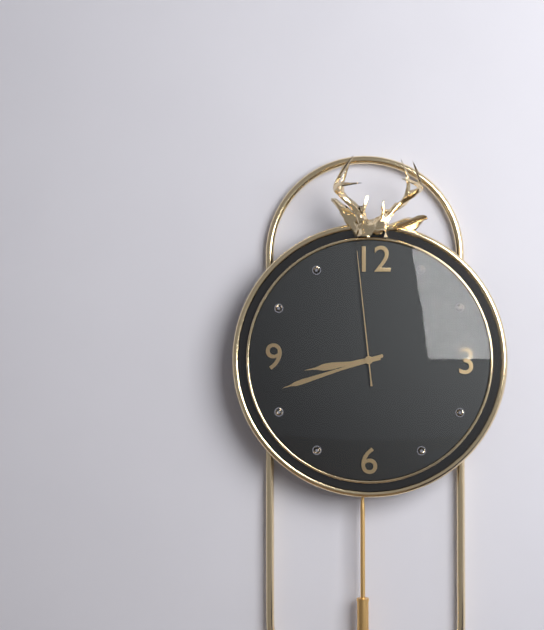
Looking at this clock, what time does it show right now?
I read 8:42:59
